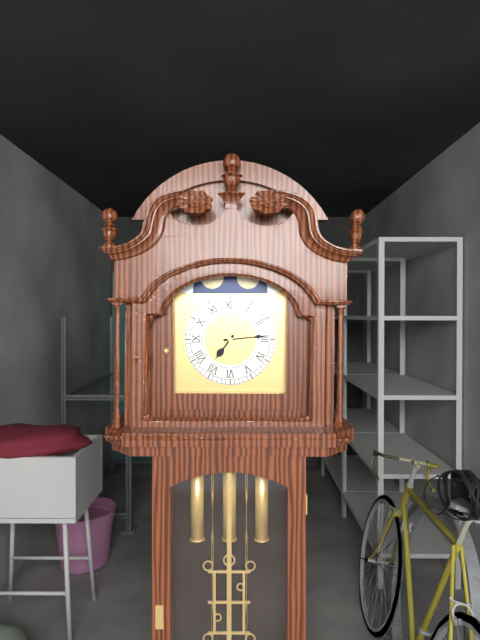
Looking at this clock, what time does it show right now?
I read 7:14
